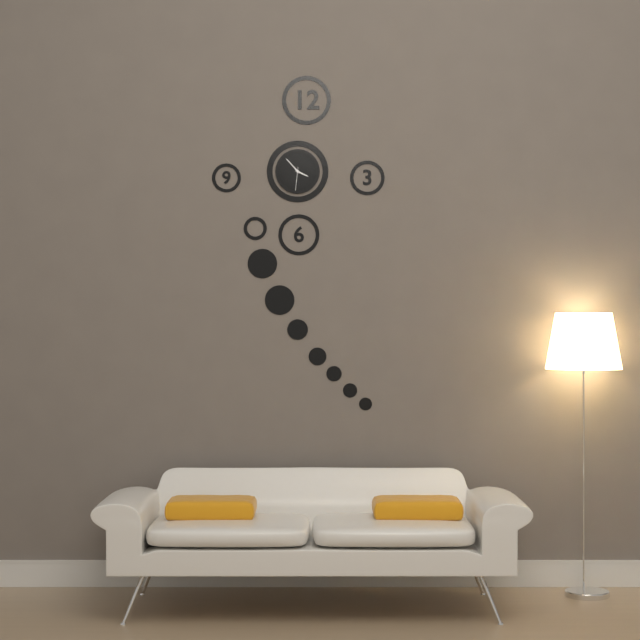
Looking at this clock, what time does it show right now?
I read 3:53
